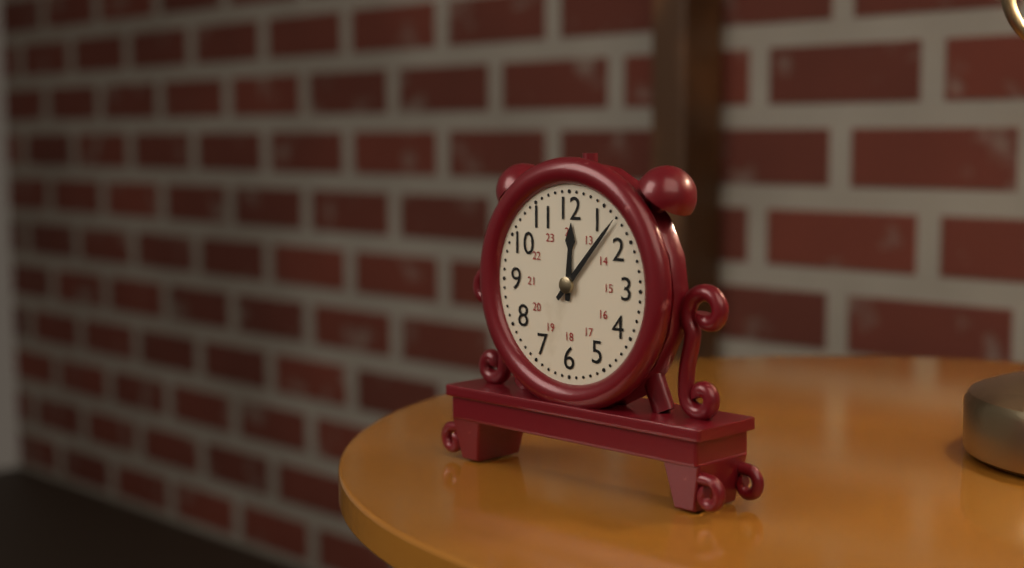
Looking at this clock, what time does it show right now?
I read 12:07
